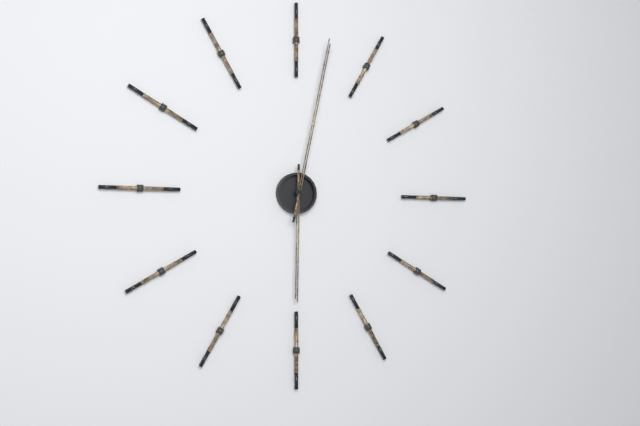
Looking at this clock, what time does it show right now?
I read 6:02
